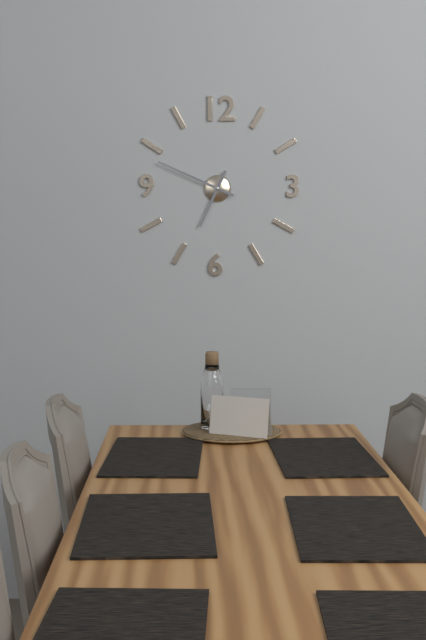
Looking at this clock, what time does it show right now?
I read 6:49
